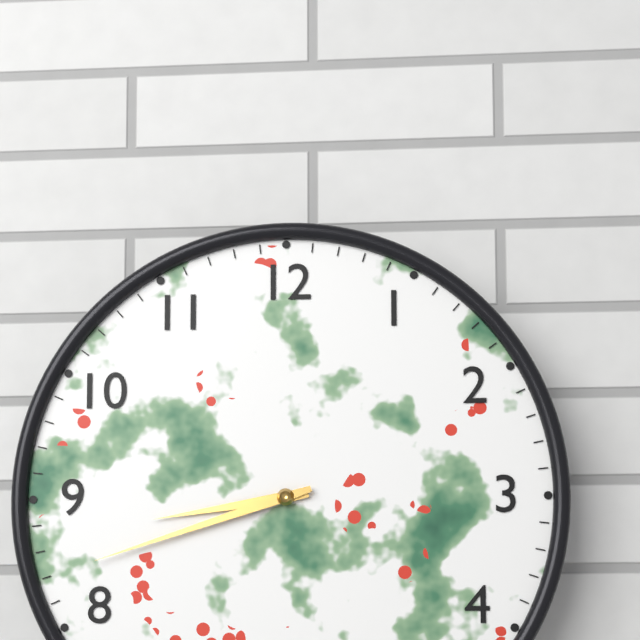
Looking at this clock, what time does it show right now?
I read 8:42
